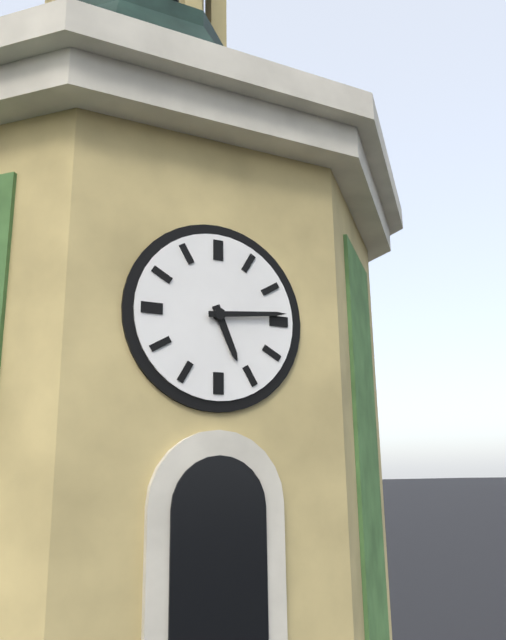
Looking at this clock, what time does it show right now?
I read 5:14
